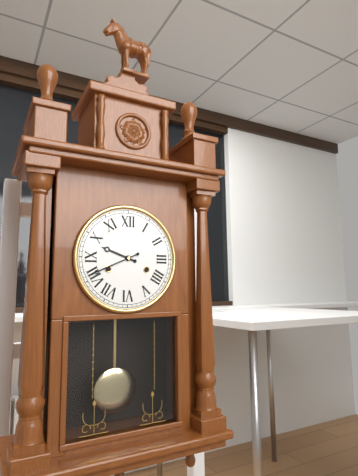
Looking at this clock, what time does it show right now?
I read 9:41
